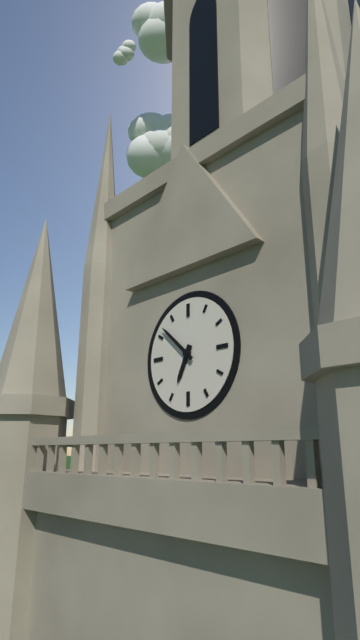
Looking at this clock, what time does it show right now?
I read 6:52
